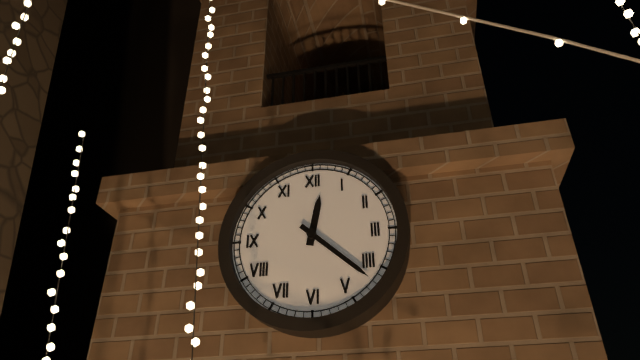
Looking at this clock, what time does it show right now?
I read 12:22
